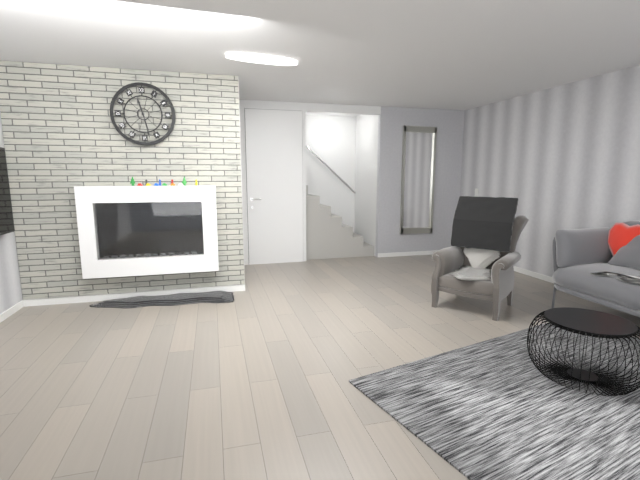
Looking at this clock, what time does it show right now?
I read 11:28
